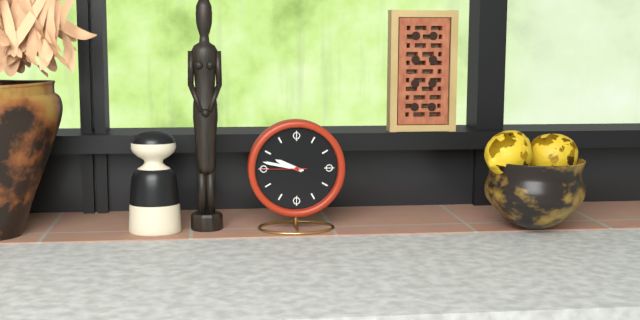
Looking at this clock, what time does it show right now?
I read 9:47
